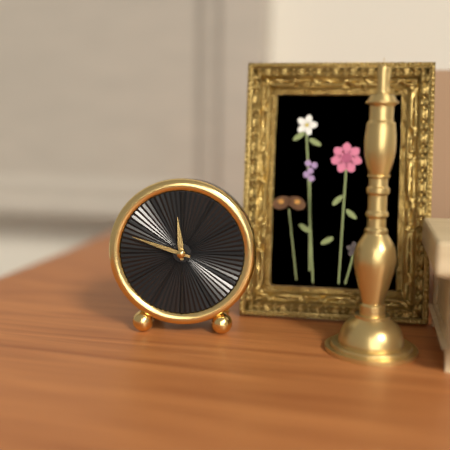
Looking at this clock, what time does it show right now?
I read 11:48
